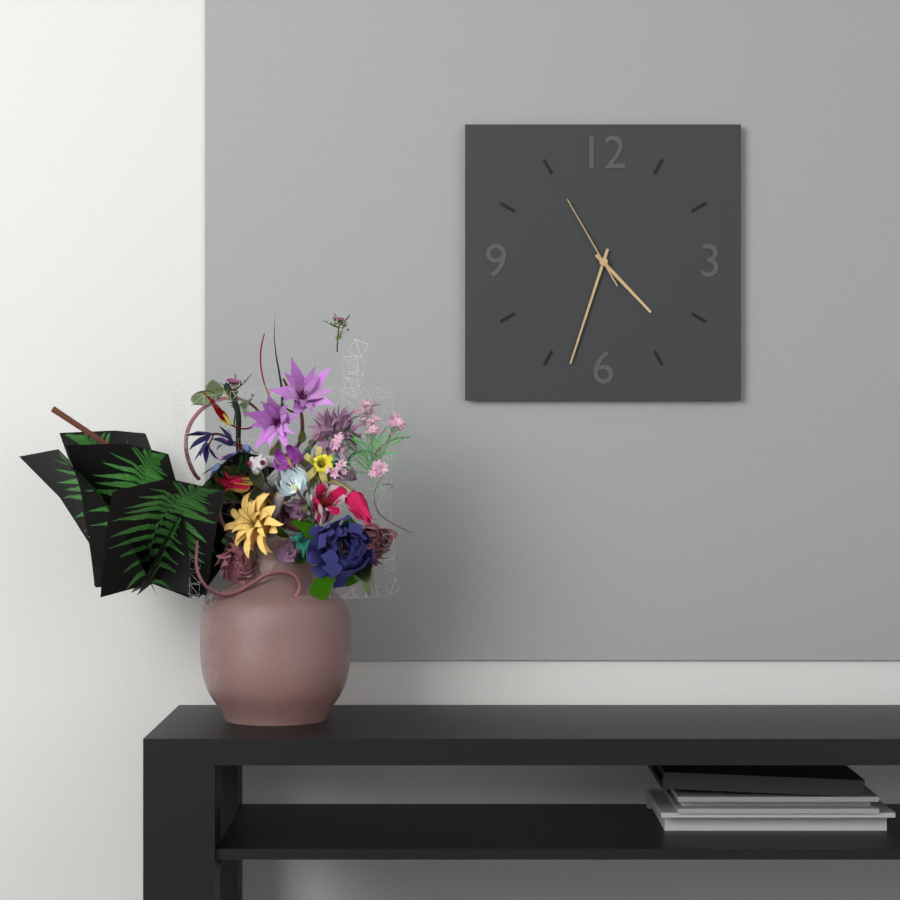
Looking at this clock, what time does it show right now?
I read 4:33:55
